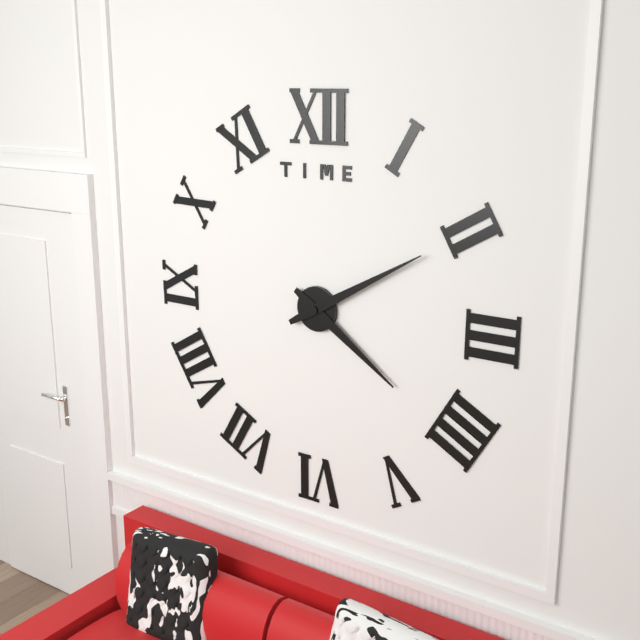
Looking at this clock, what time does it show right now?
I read 4:10
